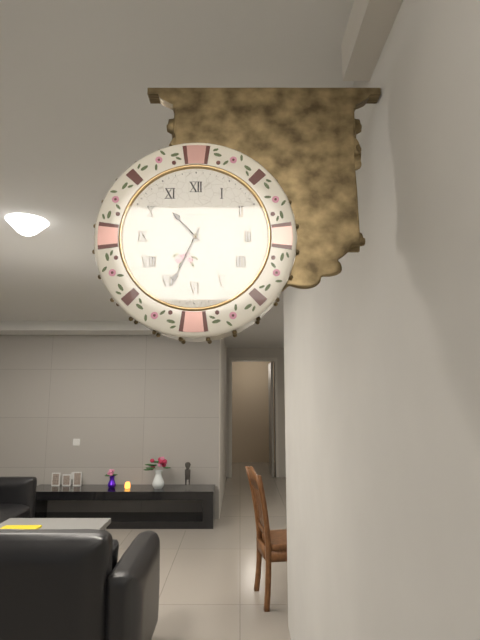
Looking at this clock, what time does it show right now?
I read 10:34
